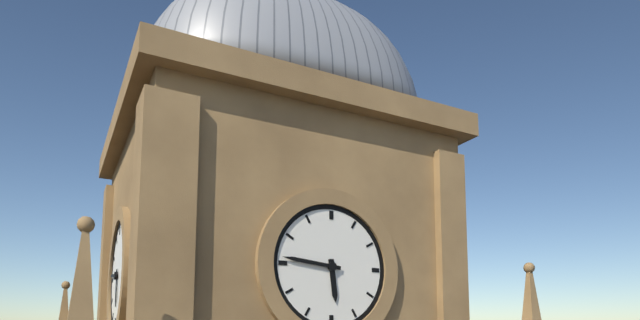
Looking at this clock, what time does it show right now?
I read 5:46
